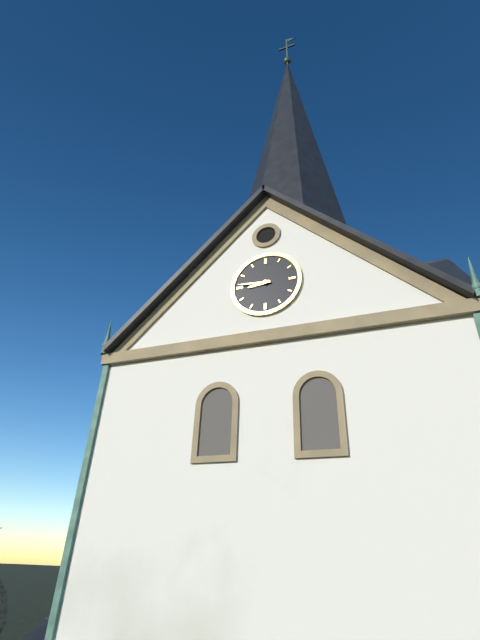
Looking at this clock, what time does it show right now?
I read 8:46
